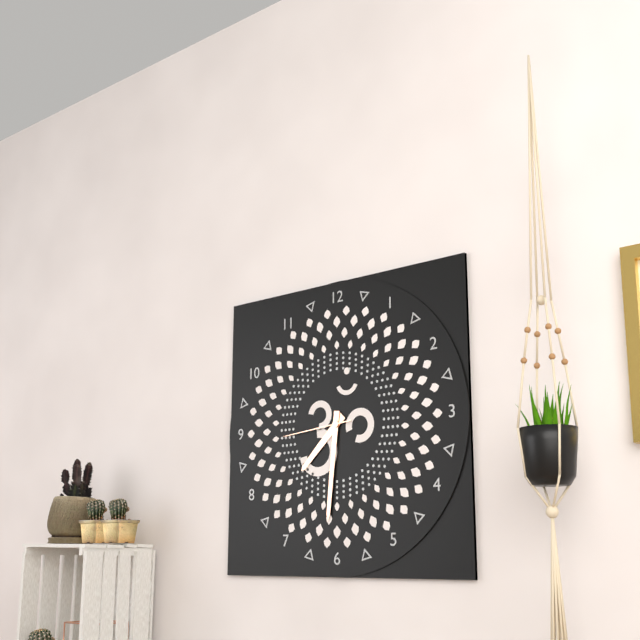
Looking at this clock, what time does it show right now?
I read 7:31:44
